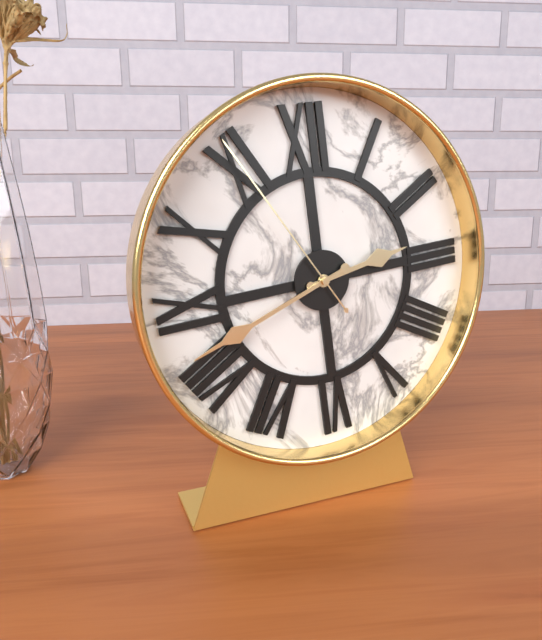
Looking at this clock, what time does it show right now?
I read 2:42:55
